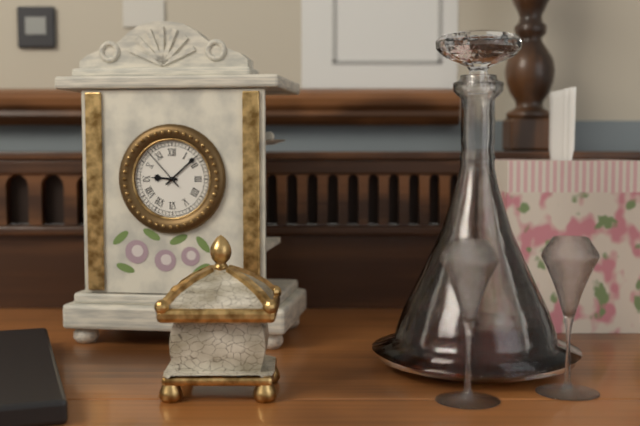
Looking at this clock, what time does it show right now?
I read 9:08
